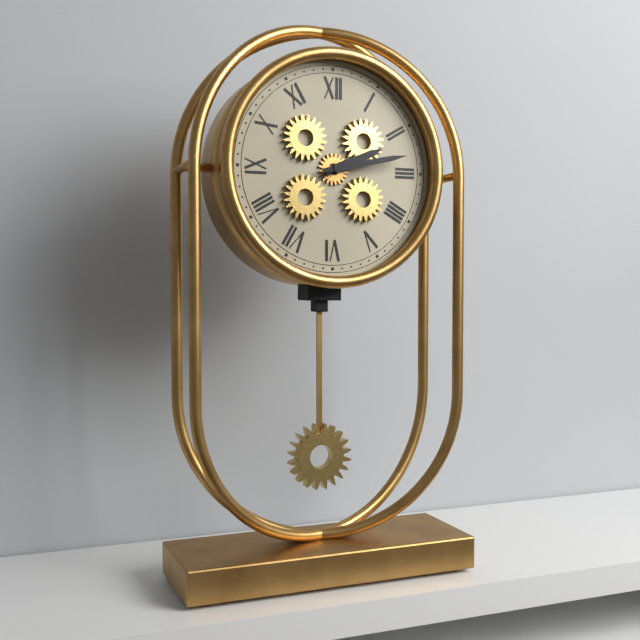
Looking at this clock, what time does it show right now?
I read 2:13
